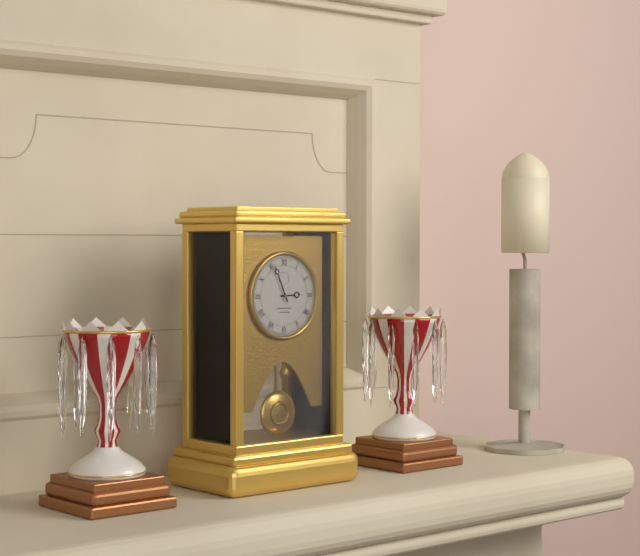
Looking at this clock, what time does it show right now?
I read 2:56
